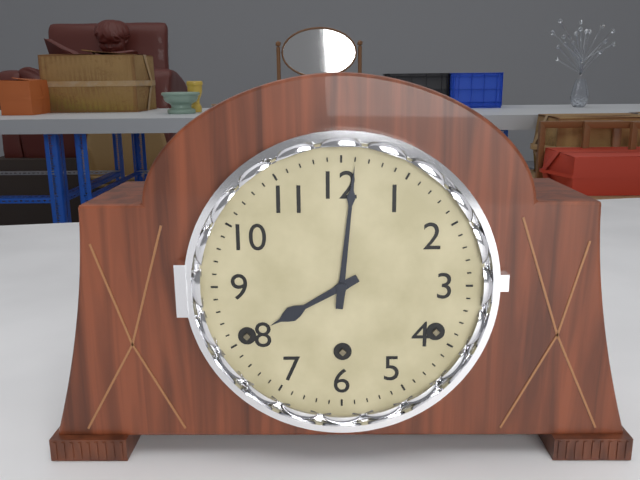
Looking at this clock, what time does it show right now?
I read 8:01
